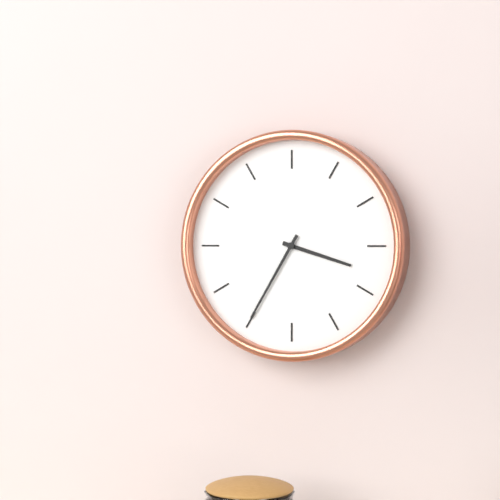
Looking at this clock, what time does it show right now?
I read 3:35
